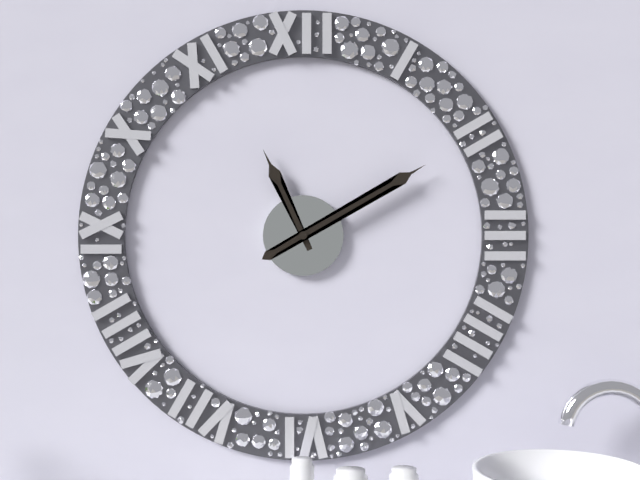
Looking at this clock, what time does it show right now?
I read 11:10
